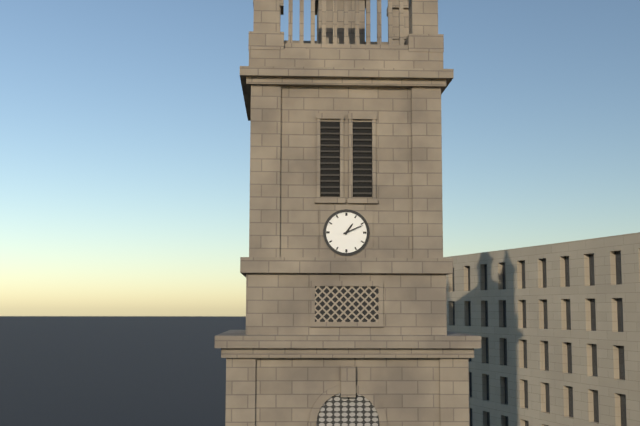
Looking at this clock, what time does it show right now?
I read 1:11
